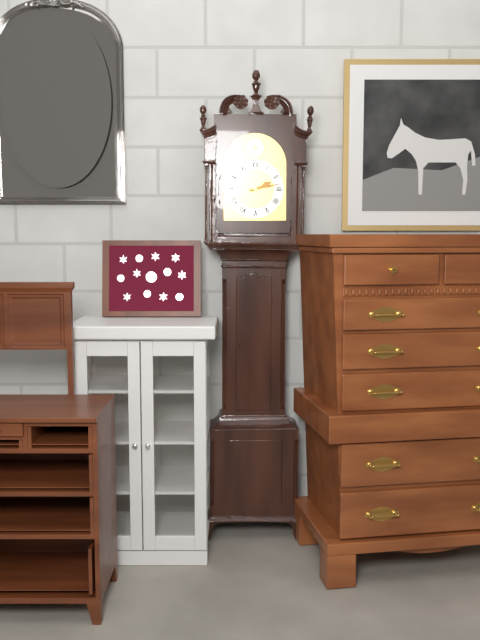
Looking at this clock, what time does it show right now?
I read 2:13
